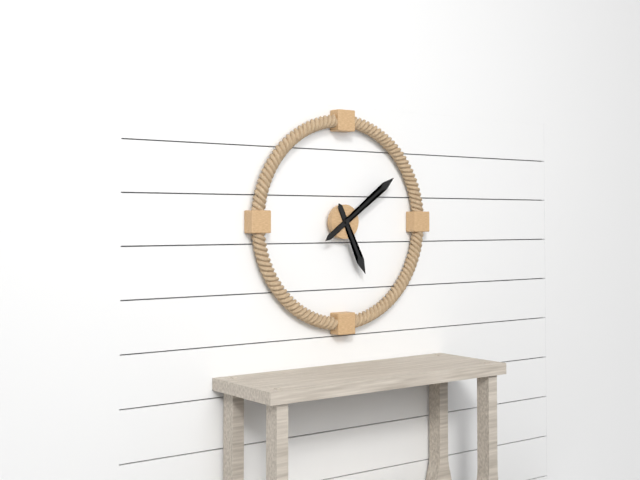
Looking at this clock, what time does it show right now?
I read 5:09
